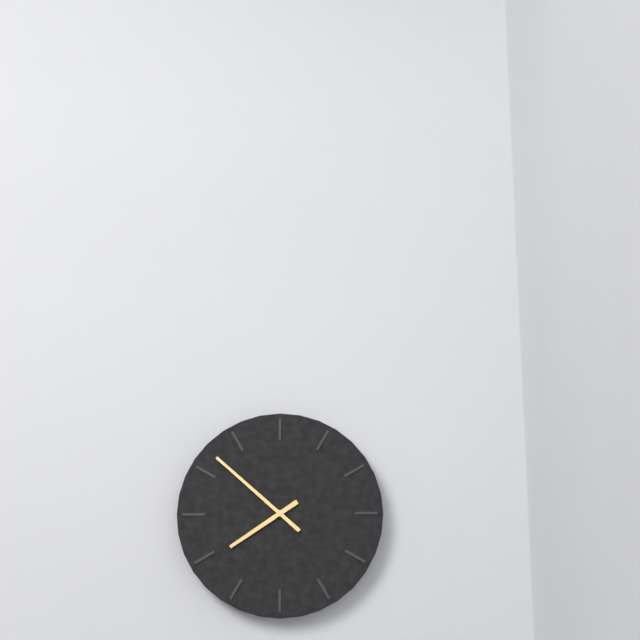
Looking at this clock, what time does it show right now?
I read 7:52
